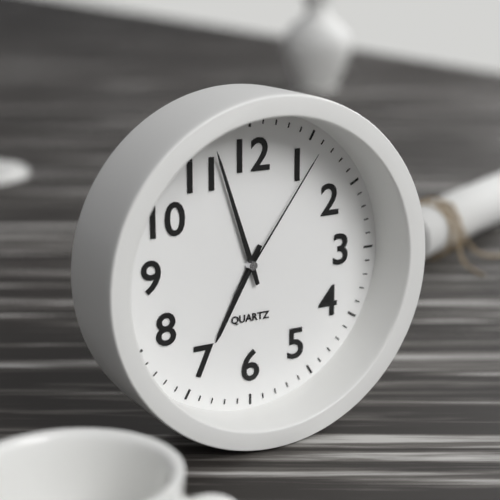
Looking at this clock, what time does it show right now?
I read 6:57:06
